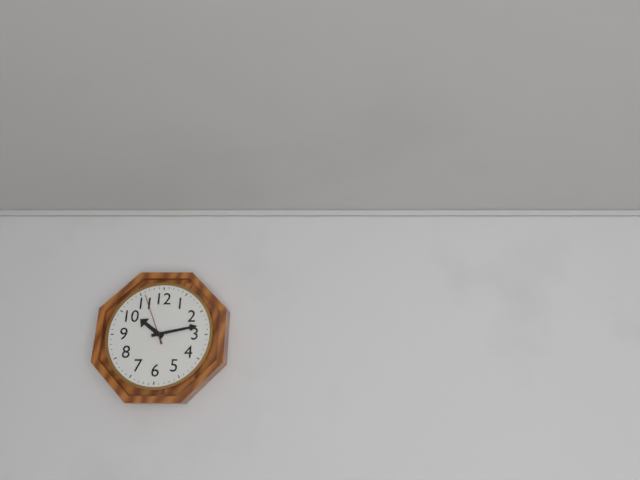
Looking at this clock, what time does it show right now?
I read 10:13:56
